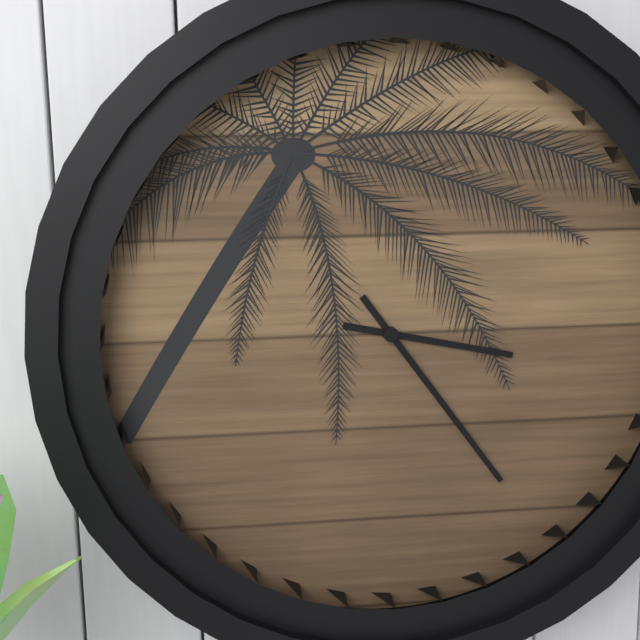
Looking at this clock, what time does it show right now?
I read 3:24
